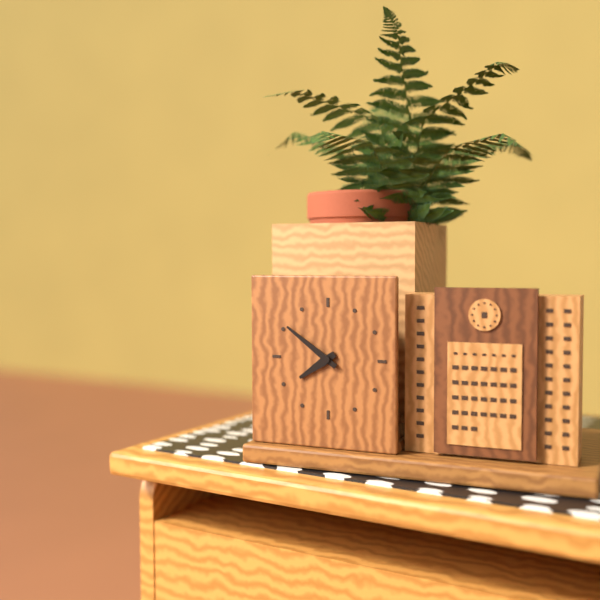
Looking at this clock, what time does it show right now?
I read 7:51
